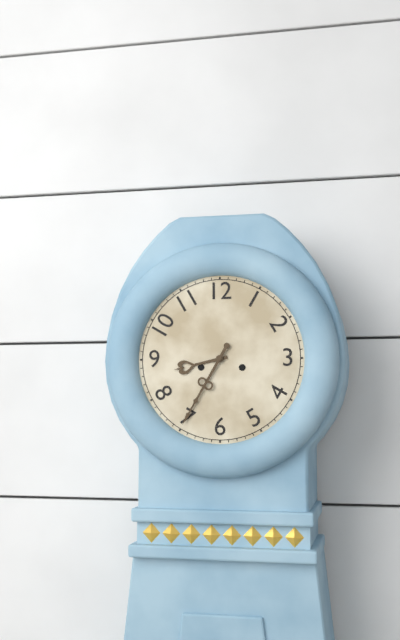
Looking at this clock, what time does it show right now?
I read 8:35
